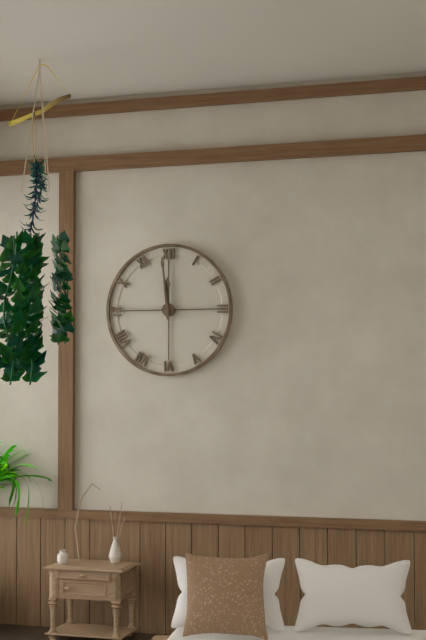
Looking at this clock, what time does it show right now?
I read 11:59
